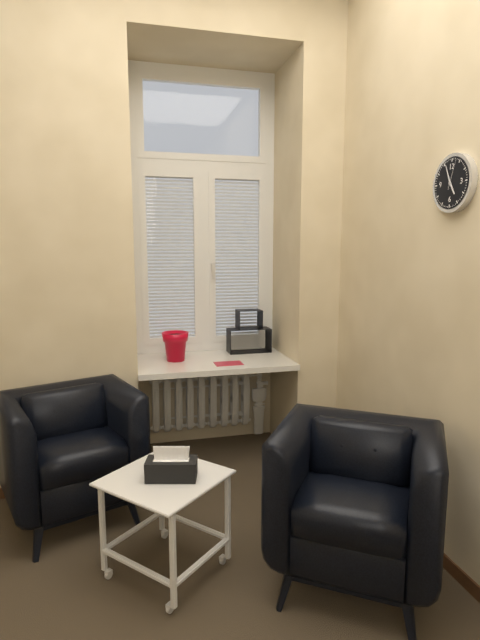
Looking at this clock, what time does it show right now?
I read 4:56
